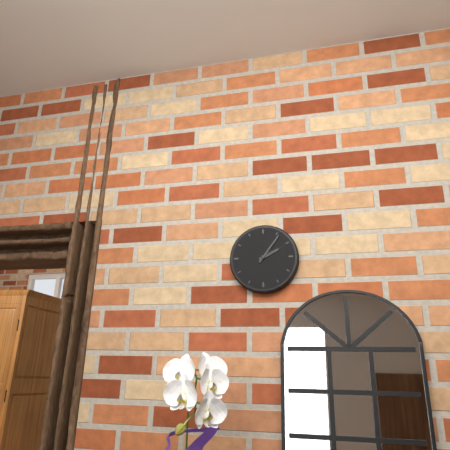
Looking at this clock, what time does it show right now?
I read 2:06
